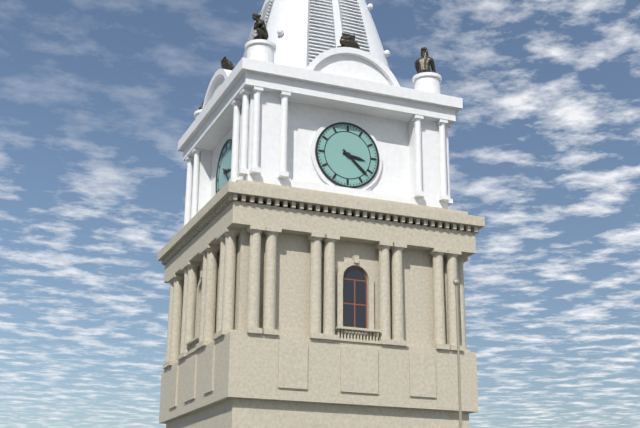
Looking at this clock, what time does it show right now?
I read 3:22
